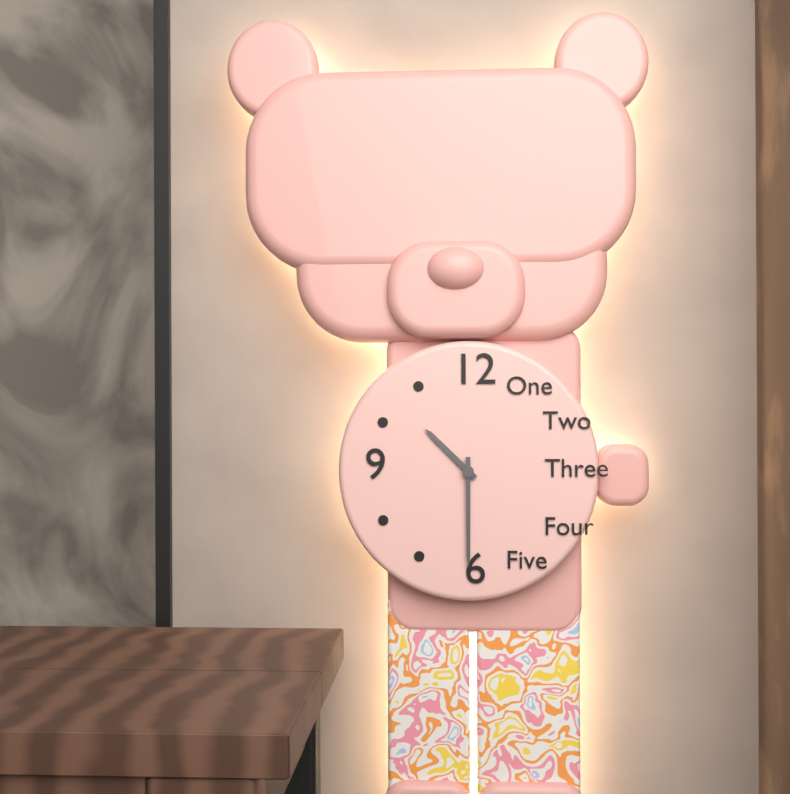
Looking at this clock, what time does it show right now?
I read 10:30
